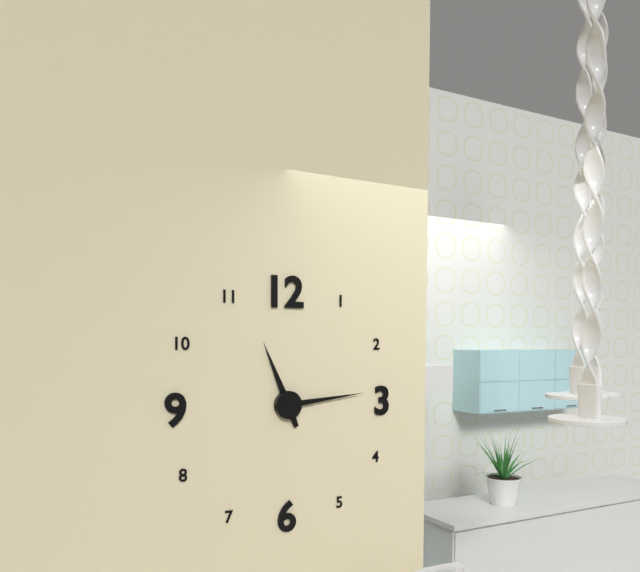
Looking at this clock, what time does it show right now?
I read 11:14
